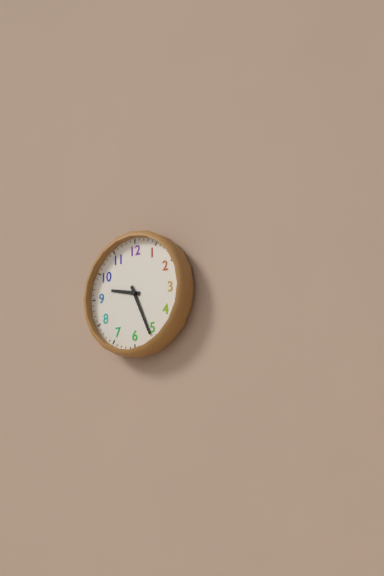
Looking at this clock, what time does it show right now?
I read 9:26
